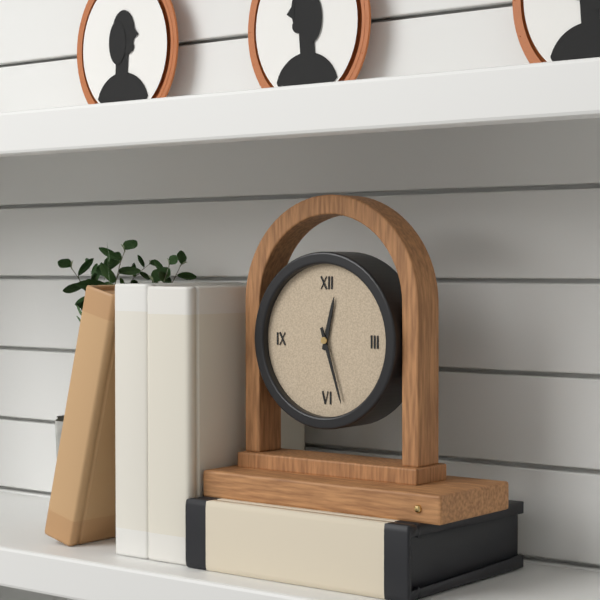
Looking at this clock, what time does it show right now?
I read 12:27
